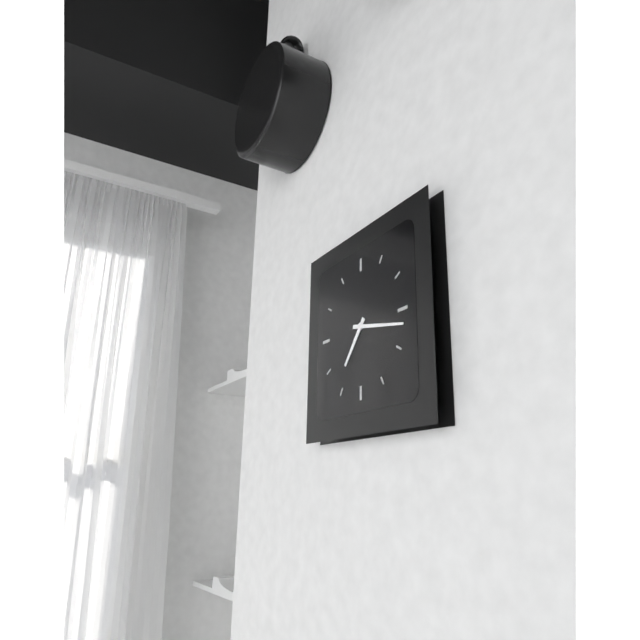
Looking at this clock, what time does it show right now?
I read 7:17
